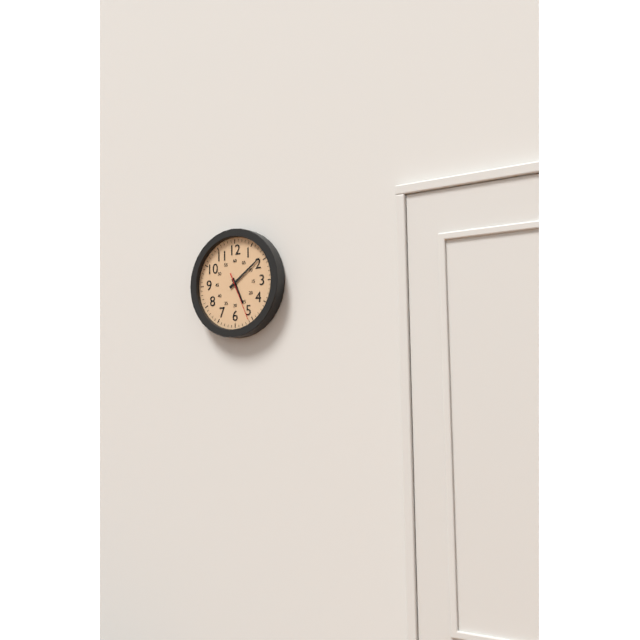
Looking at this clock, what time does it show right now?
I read 5:09
